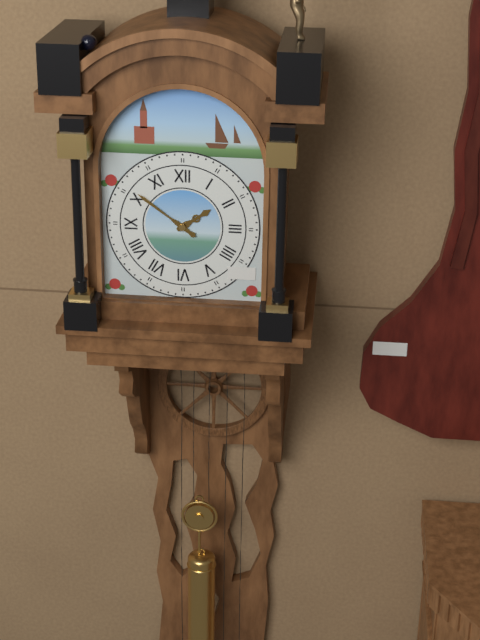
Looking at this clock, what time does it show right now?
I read 1:51
